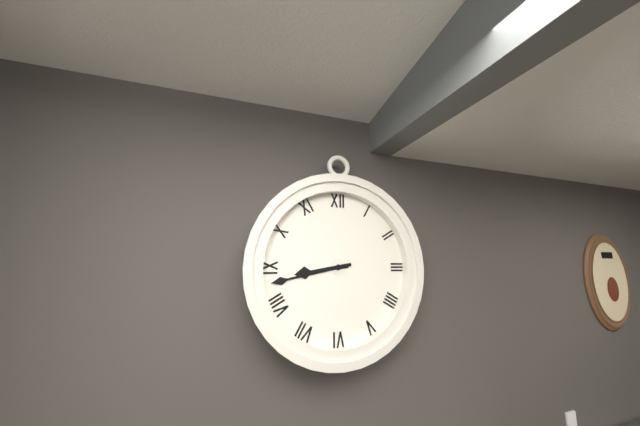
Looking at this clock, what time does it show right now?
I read 8:43
